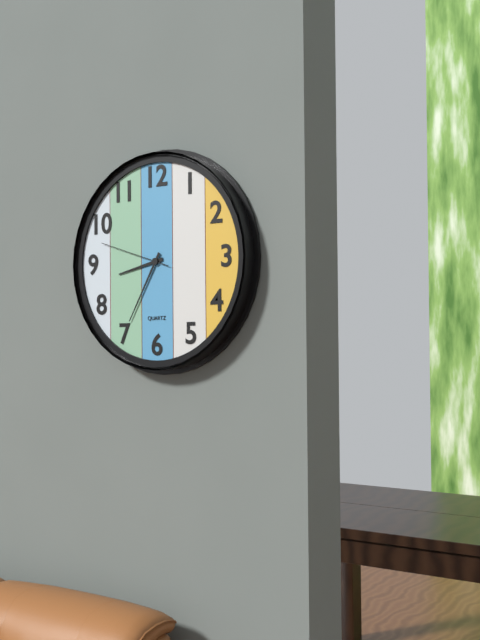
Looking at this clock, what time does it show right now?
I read 8:35:48
